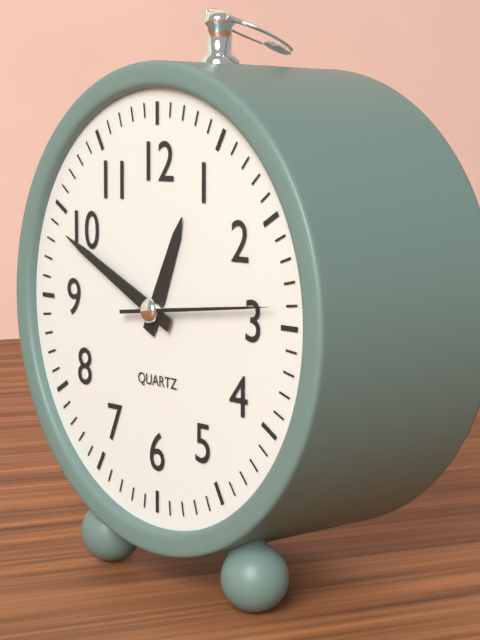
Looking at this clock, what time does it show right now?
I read 12:49:14
